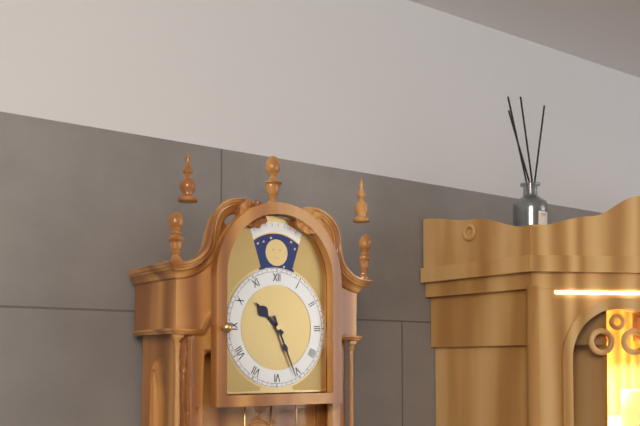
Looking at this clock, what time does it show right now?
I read 10:26
